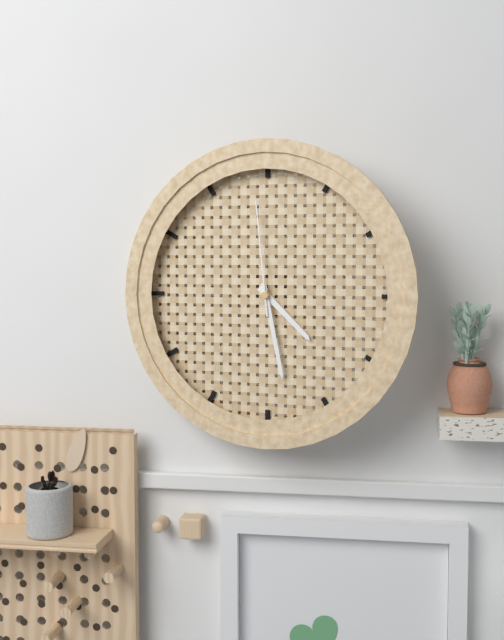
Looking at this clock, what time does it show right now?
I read 4:28:59
